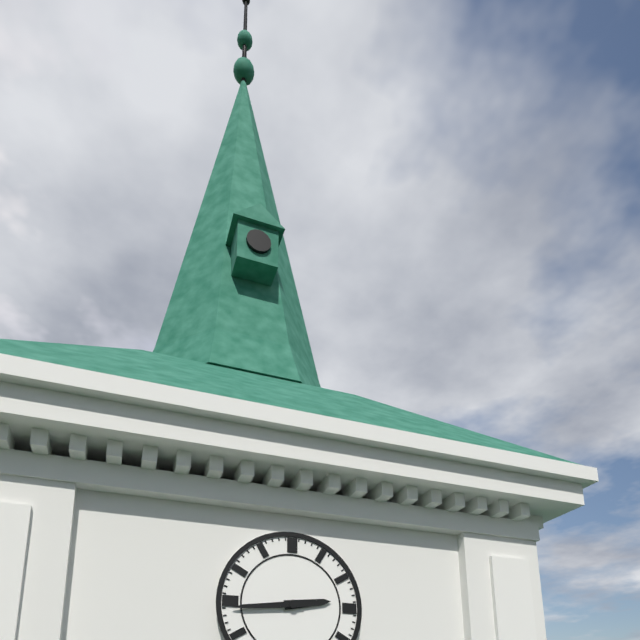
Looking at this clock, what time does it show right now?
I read 2:44
